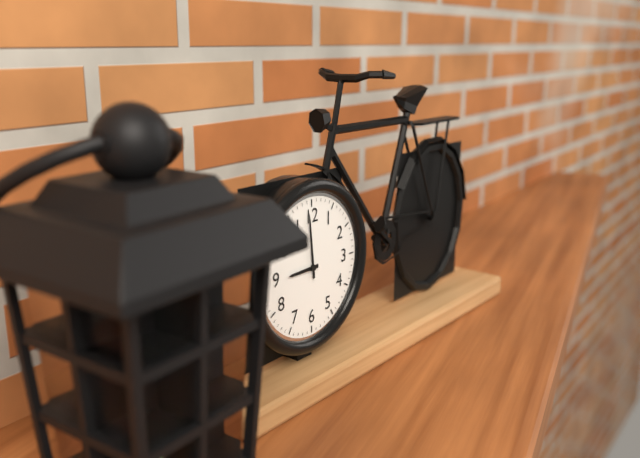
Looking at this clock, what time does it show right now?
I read 8:59
